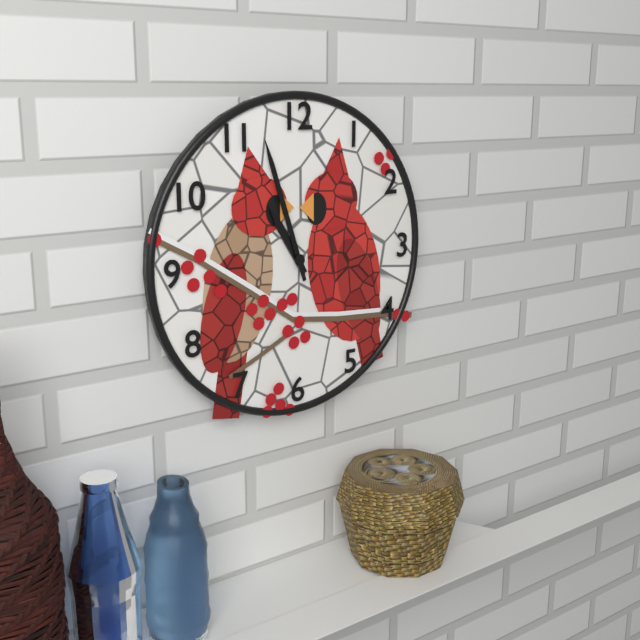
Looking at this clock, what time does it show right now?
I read 10:57
